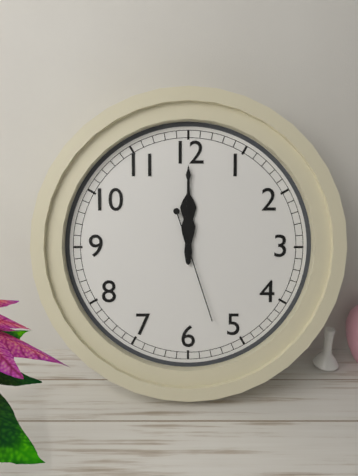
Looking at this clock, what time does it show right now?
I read 12:00:27
